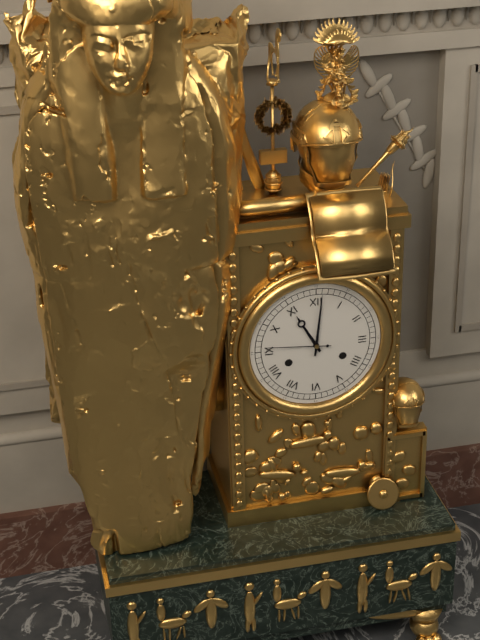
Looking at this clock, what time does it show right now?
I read 11:01:46
